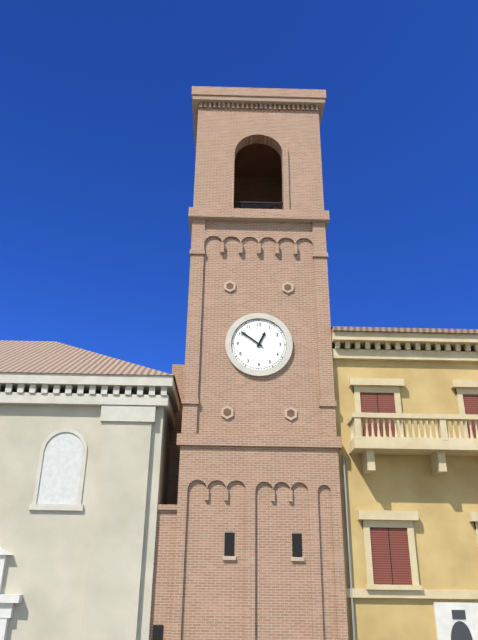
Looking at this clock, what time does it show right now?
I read 12:51
